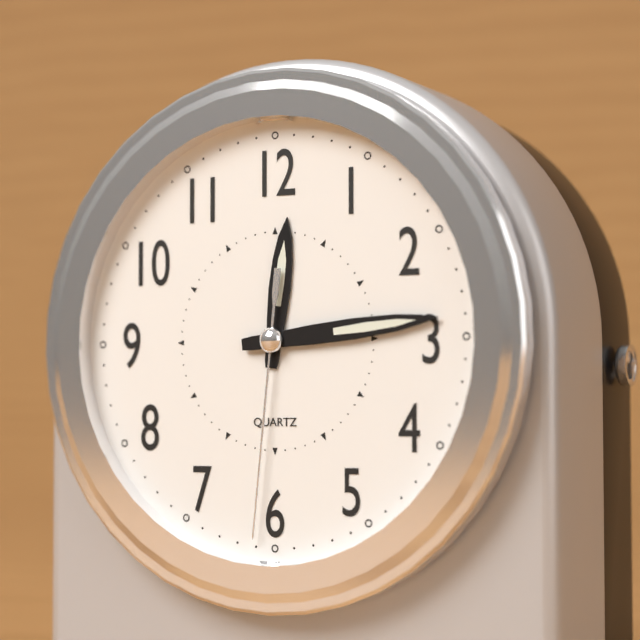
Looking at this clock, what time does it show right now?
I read 12:14:31
